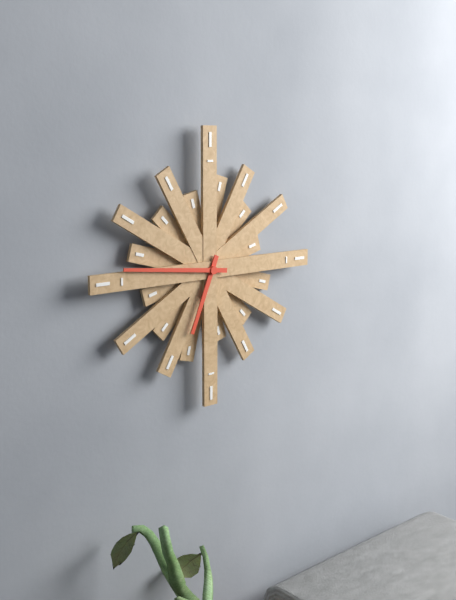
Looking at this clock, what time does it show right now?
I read 6:46
